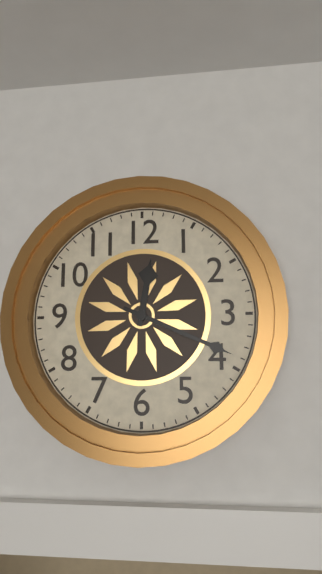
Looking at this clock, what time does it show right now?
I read 12:19
